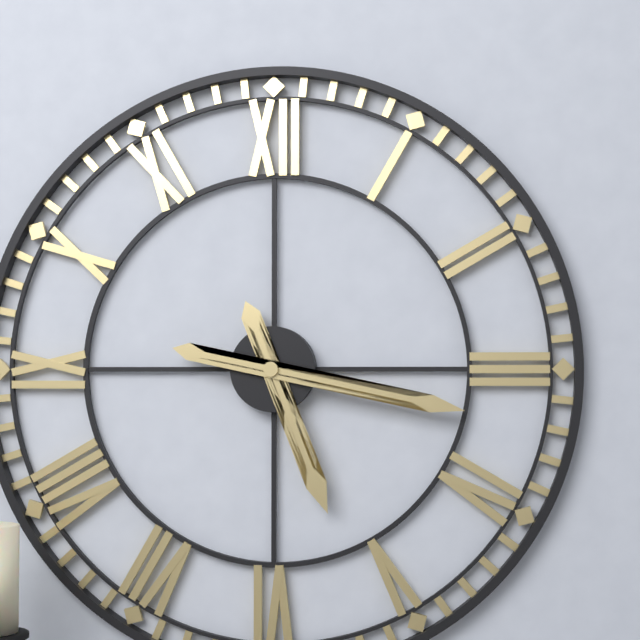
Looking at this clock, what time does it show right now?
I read 5:17
